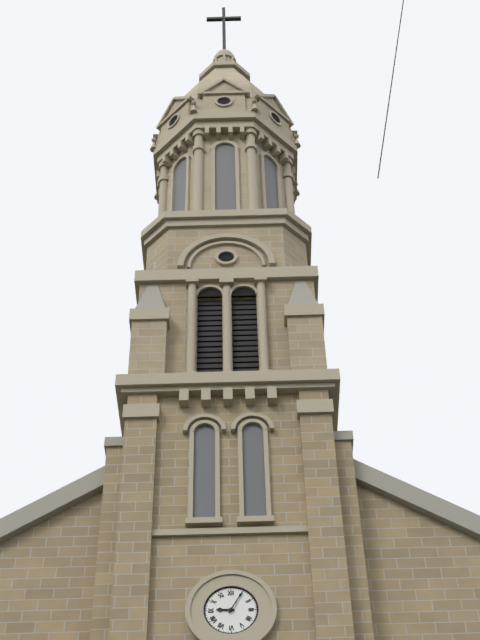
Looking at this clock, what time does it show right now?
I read 9:05
